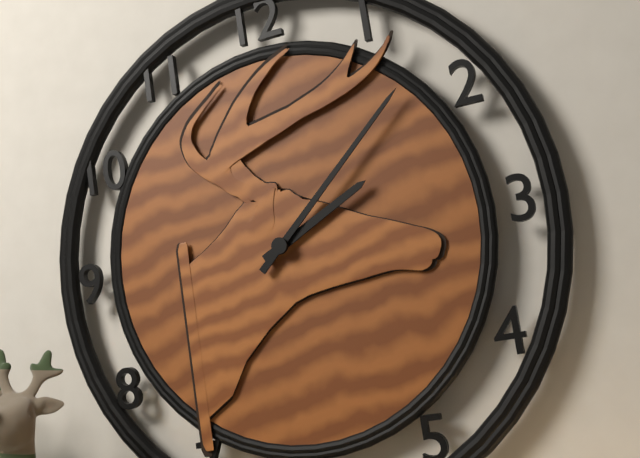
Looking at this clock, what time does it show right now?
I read 2:08
